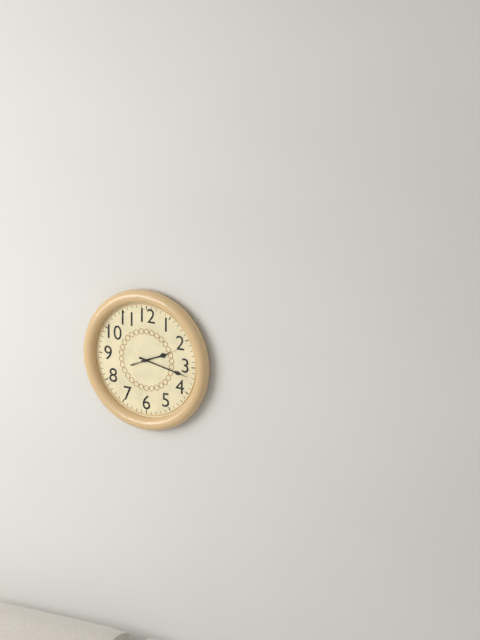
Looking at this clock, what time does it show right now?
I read 2:17
